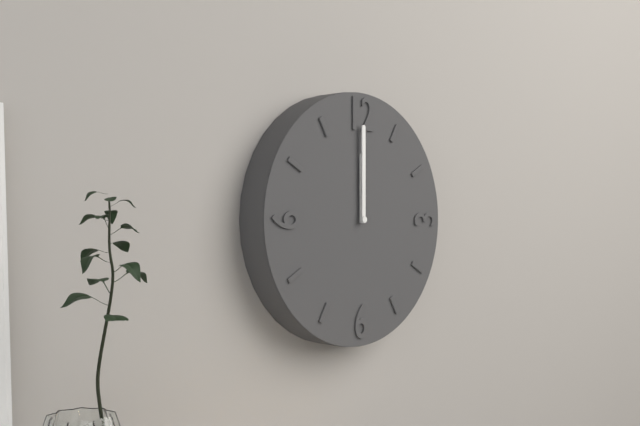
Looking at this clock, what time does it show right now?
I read 12:00
